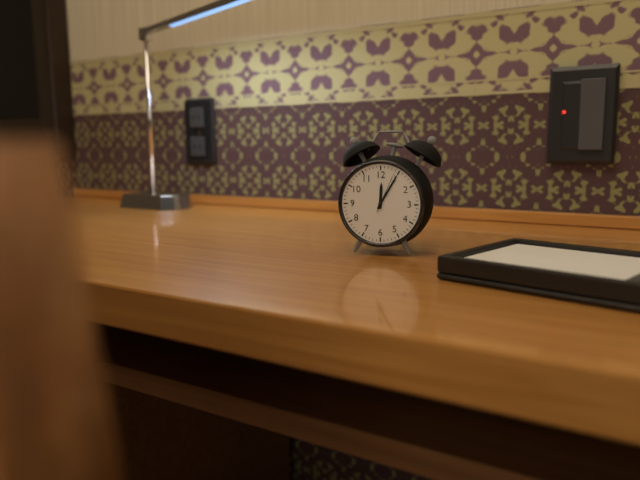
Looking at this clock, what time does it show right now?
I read 12:05
